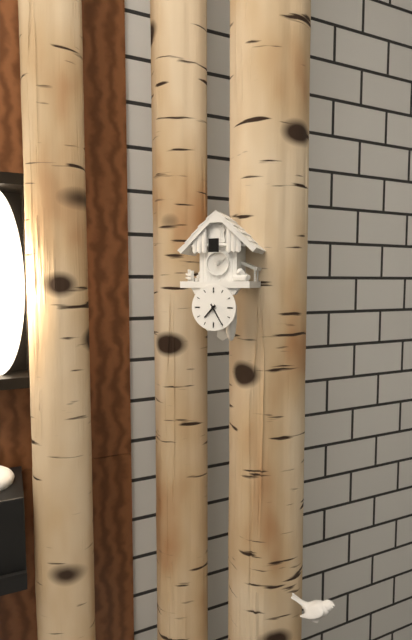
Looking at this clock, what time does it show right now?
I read 7:25
